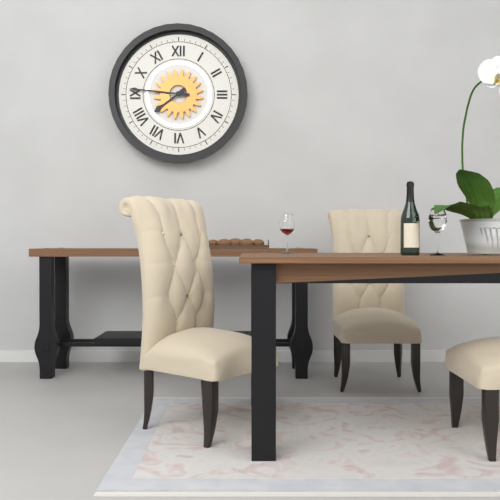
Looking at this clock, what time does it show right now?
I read 7:46
